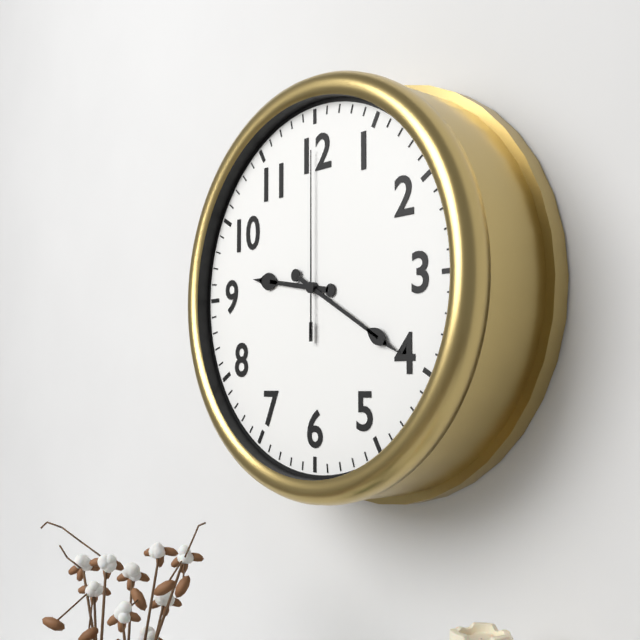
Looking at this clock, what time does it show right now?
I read 9:20:00
